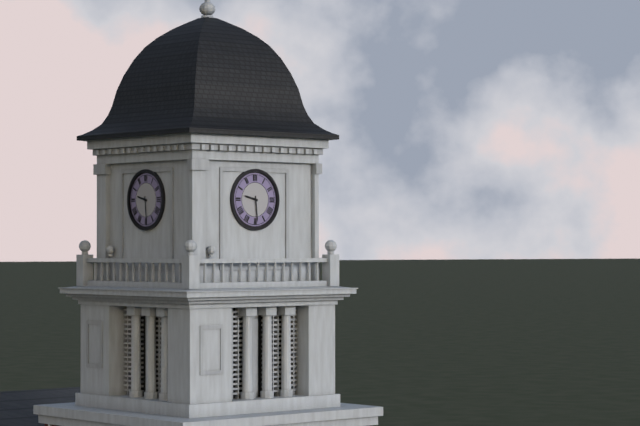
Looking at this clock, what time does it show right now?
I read 9:29
